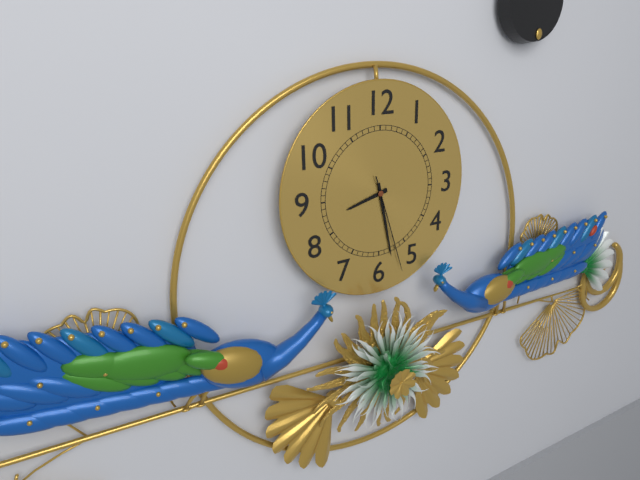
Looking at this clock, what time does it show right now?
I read 8:28:27
